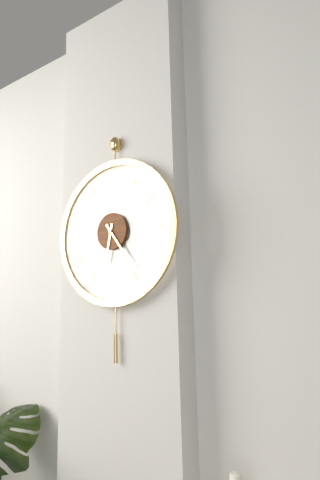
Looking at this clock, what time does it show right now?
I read 6:24
